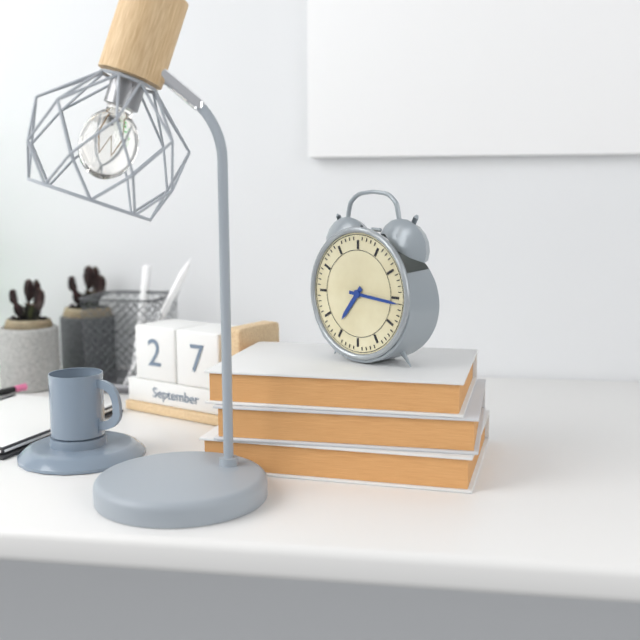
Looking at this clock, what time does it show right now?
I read 7:16
